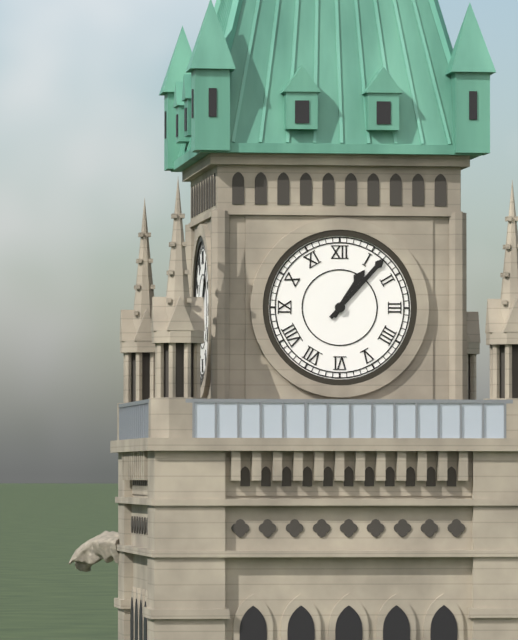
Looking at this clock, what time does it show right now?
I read 1:07
